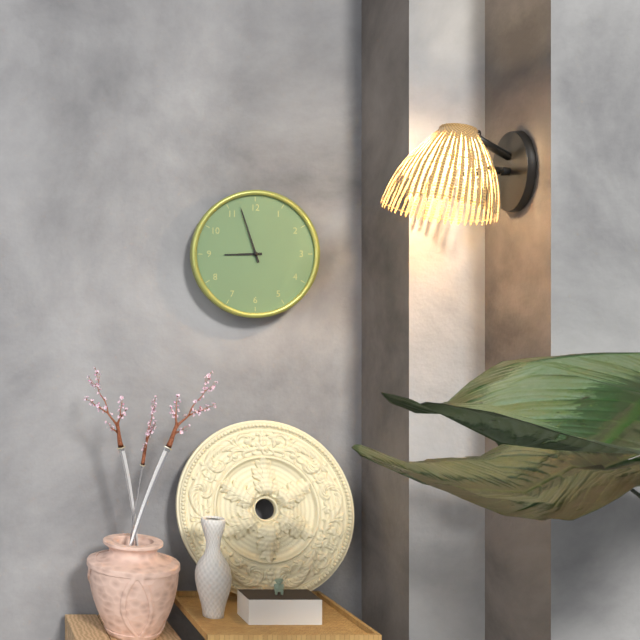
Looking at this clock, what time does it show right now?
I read 8:57
